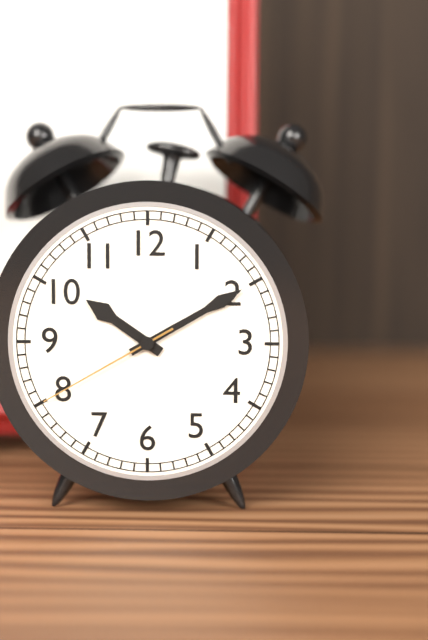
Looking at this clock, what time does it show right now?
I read 10:10:40
